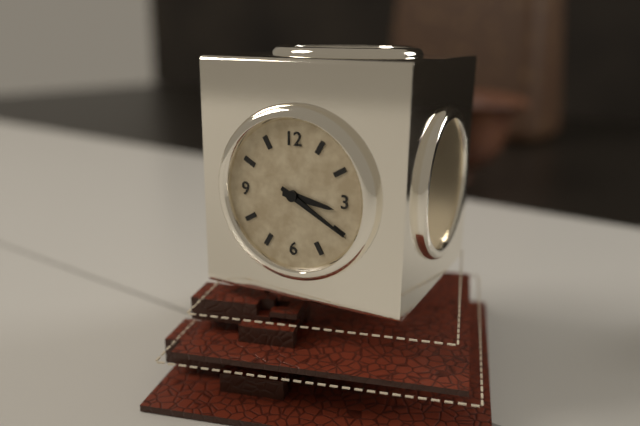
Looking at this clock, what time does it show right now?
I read 3:20
